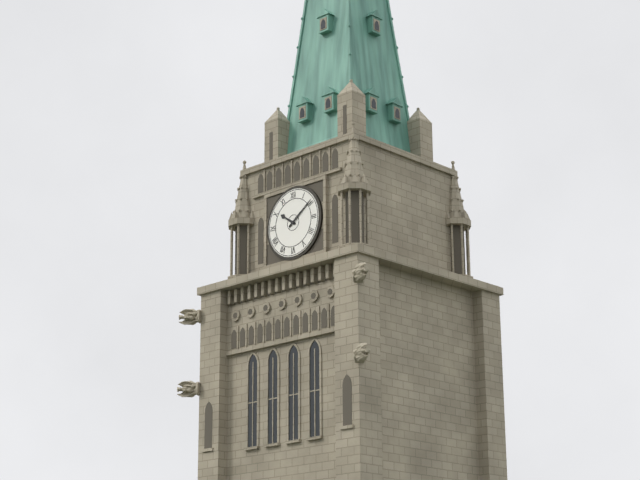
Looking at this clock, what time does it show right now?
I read 10:09
